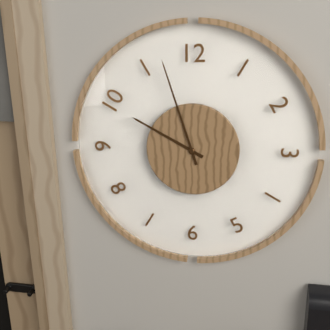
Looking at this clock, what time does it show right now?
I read 9:57
